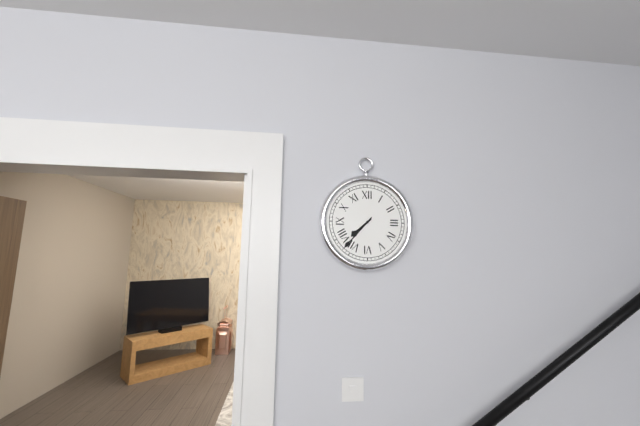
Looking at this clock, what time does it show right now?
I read 7:37
